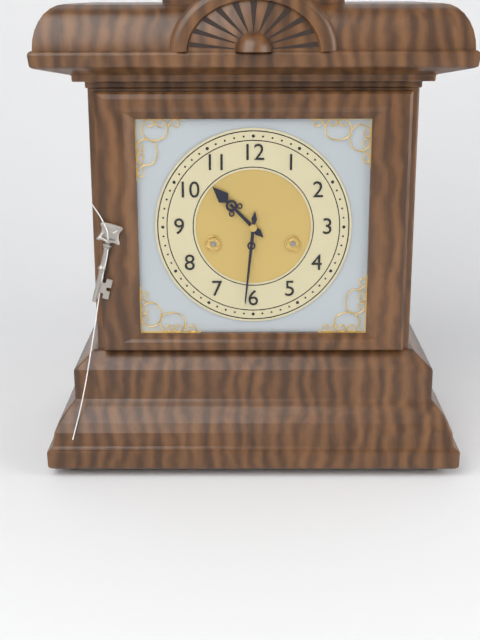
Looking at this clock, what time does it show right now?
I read 10:31
